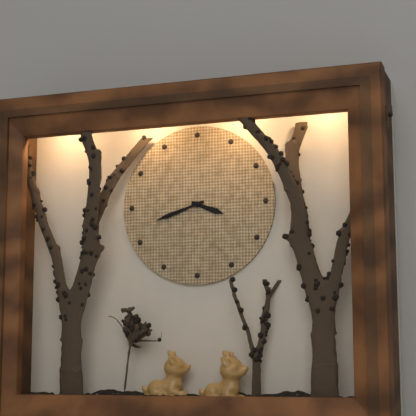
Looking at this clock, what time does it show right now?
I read 3:42
